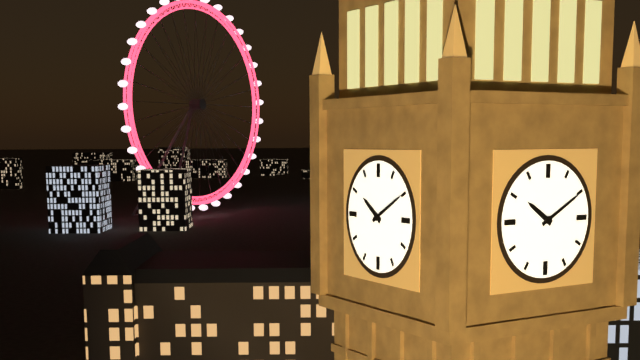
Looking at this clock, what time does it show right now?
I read 10:10
